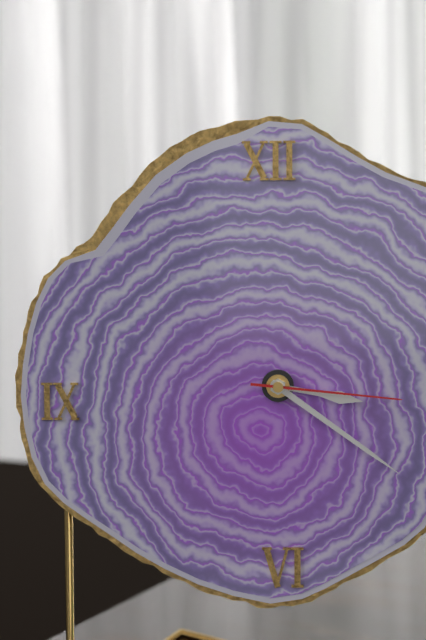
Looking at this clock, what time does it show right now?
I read 3:21:16
